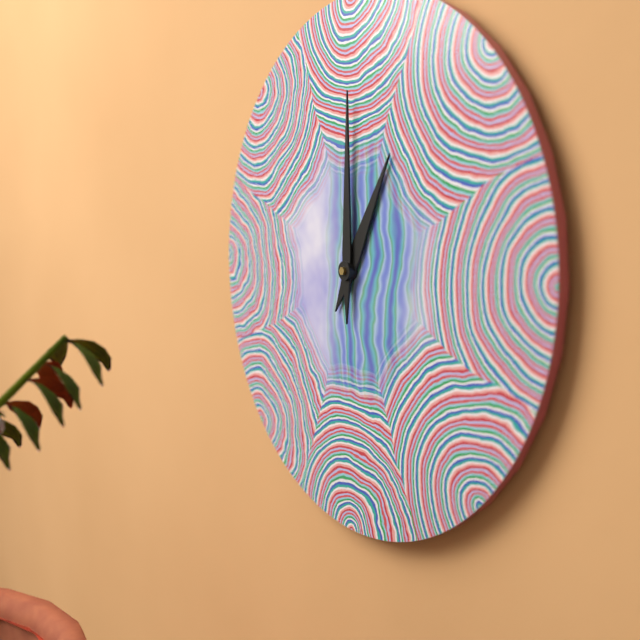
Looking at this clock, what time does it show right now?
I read 1:00
